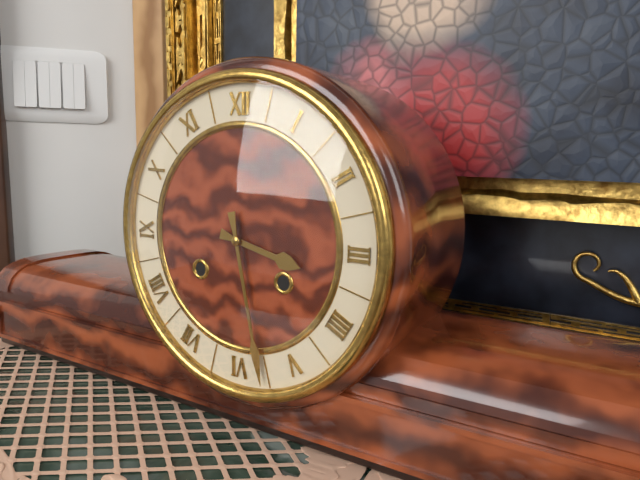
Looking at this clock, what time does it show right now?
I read 3:28
